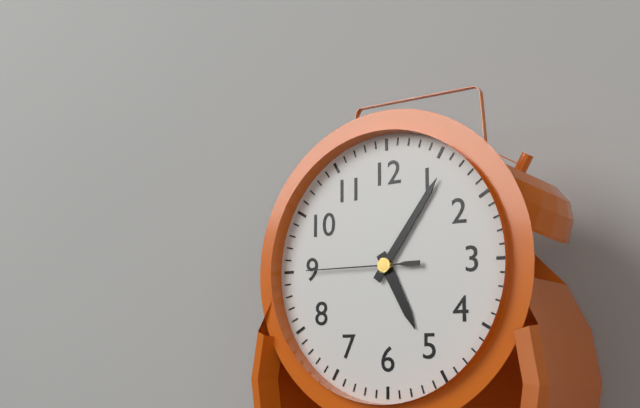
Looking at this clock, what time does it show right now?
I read 5:06:45
